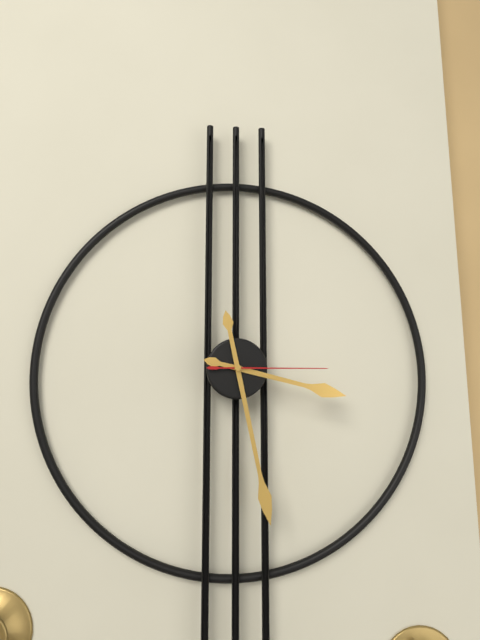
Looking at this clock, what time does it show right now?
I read 3:28:15
